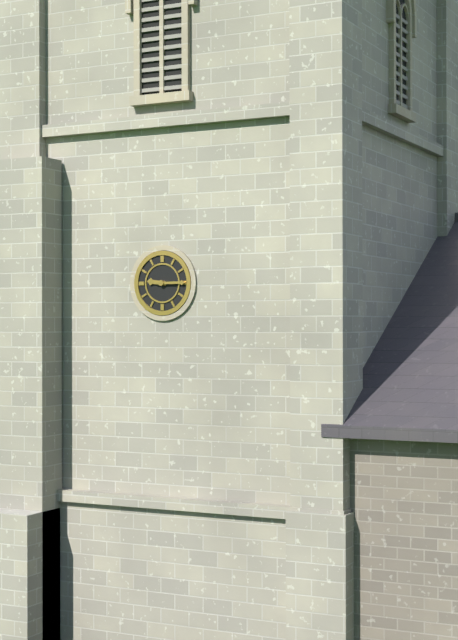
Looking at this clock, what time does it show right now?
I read 9:15
